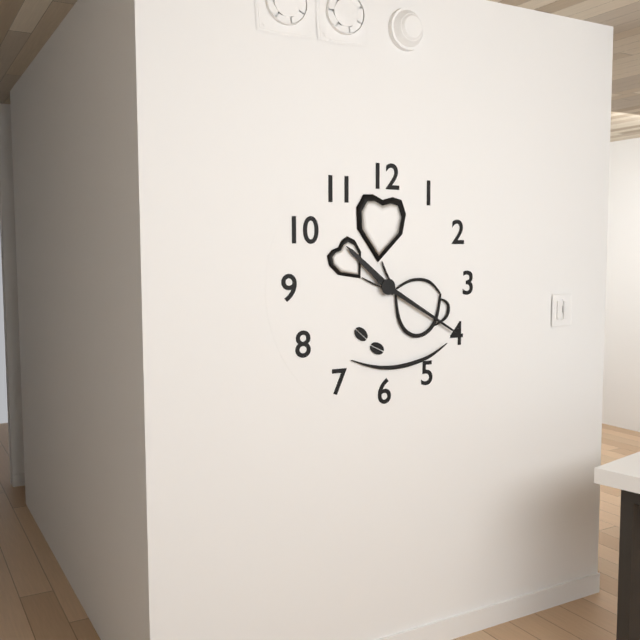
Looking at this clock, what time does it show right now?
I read 10:20
